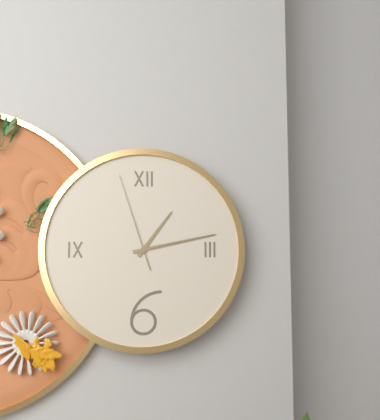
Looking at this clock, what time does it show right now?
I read 1:13:57
